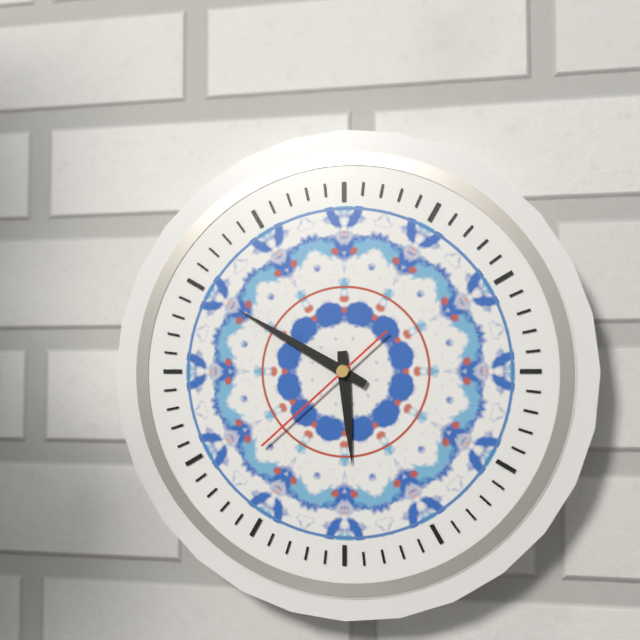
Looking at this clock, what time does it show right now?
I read 5:50:38
